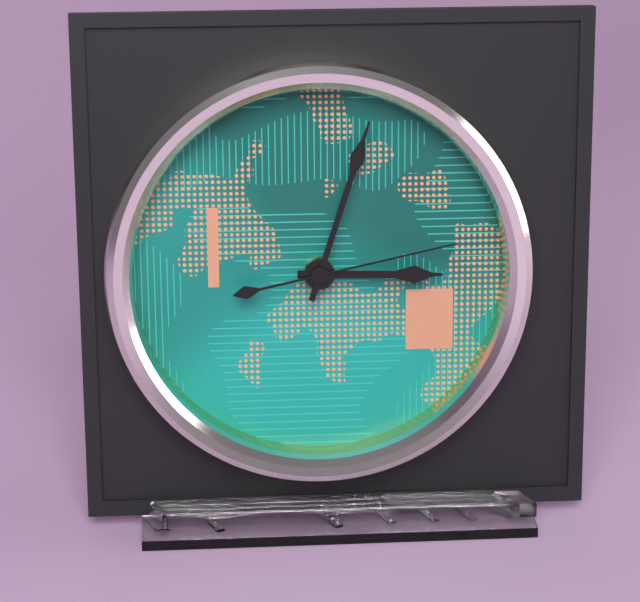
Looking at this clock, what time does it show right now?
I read 3:03:13
